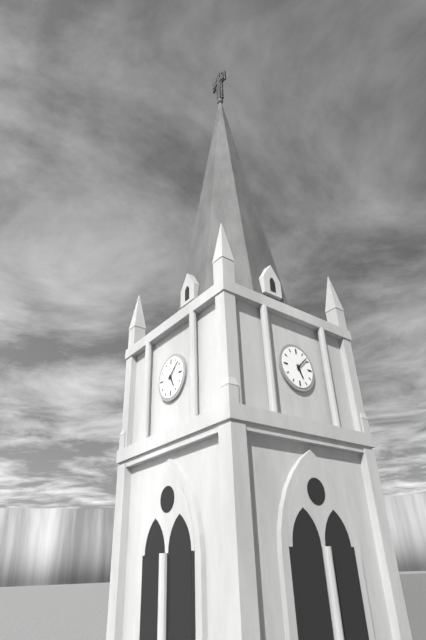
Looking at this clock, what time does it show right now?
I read 5:08
